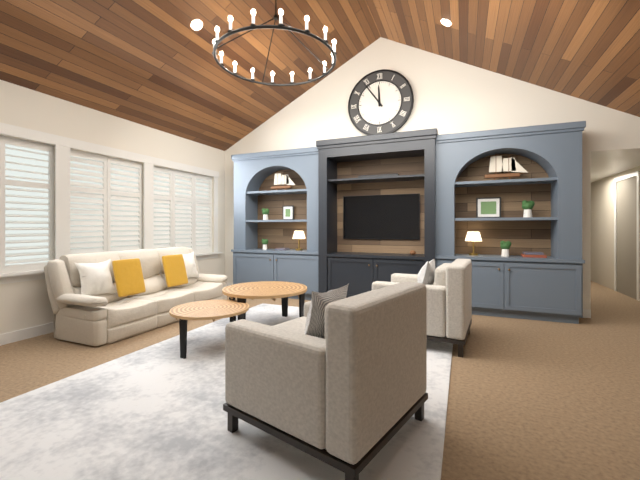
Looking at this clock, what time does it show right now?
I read 11:54
